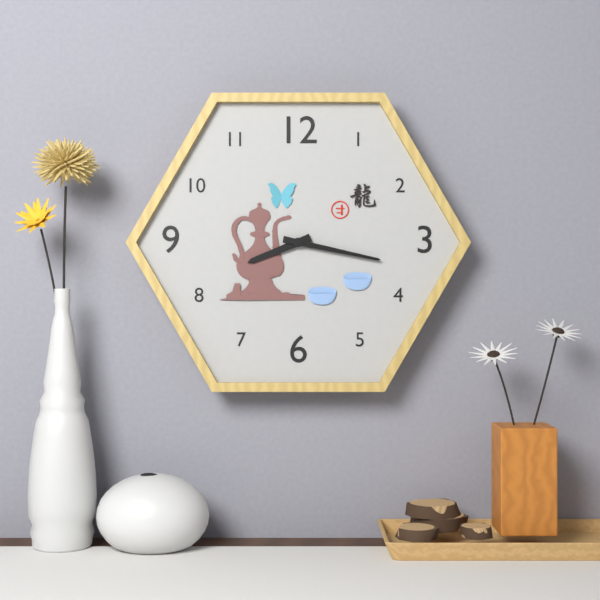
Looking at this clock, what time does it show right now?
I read 8:17
